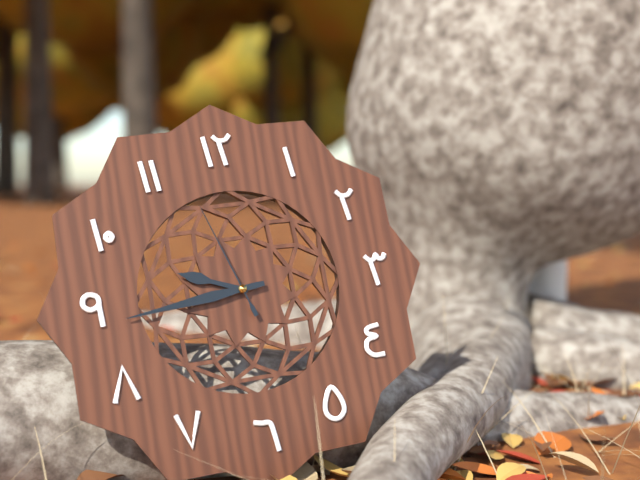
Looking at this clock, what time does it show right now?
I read 9:44:57
